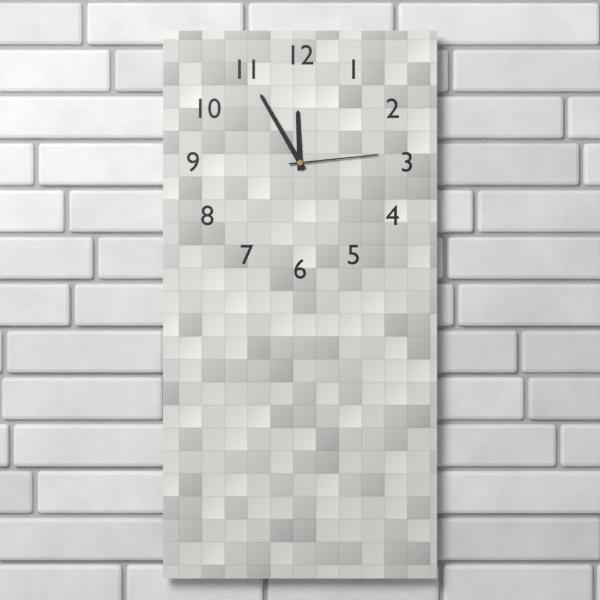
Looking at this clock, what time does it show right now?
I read 11:55:14
